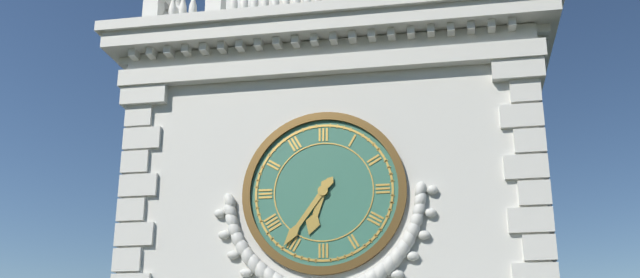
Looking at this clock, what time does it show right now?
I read 6:36
